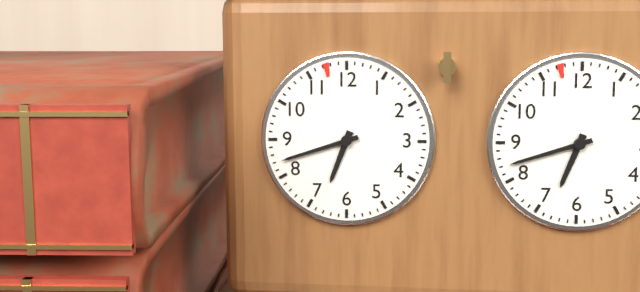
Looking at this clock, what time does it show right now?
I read 6:42
